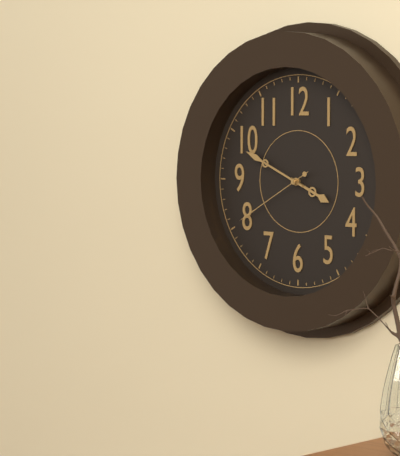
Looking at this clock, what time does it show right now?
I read 3:49:40
